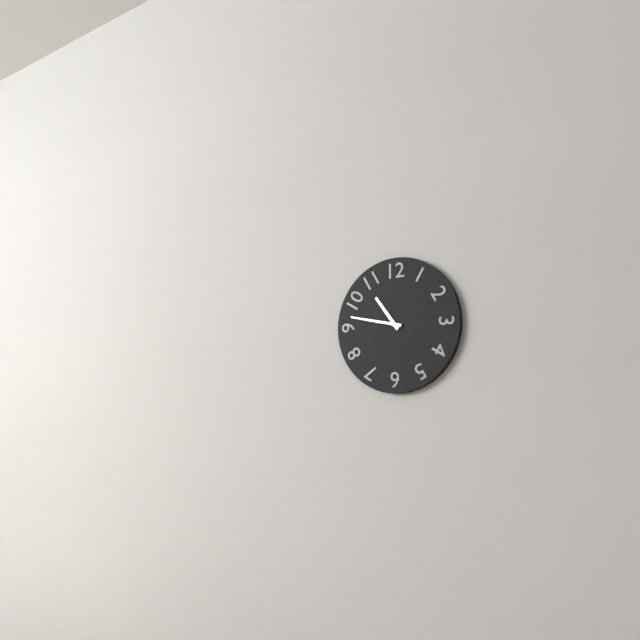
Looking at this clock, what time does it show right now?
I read 10:47
